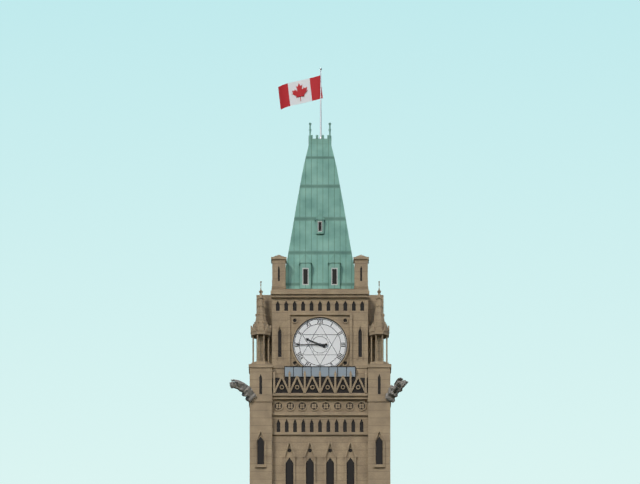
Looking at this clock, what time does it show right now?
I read 9:45
